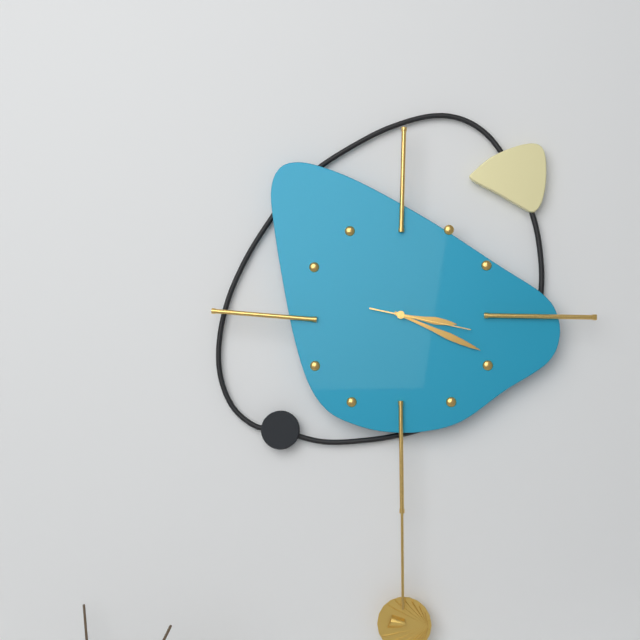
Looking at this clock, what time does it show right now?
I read 3:19:17
